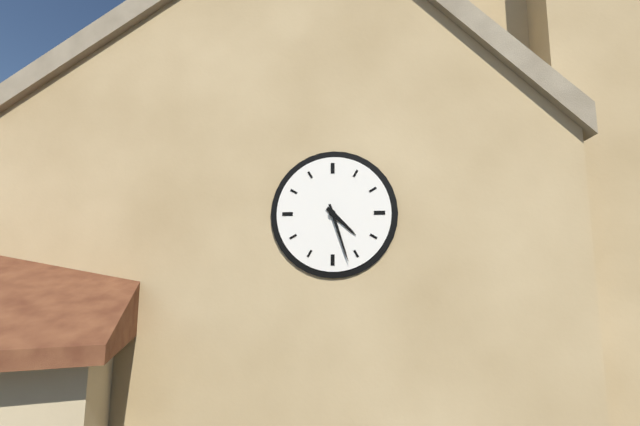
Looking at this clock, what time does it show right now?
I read 4:27
